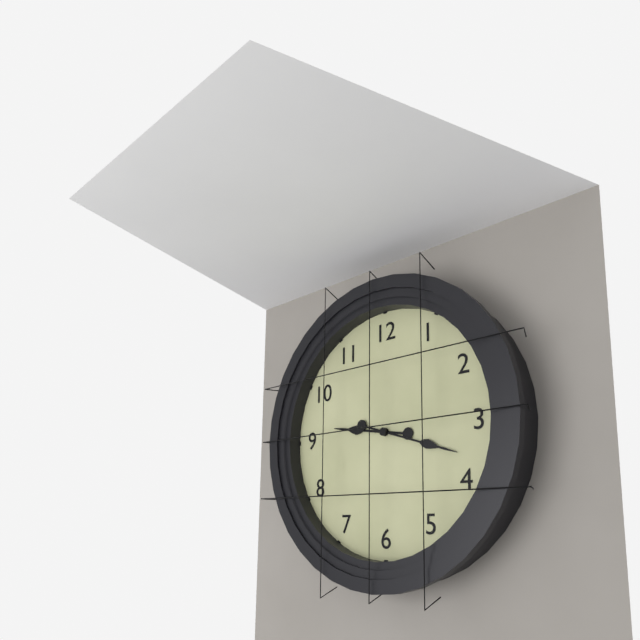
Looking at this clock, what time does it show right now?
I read 9:18
